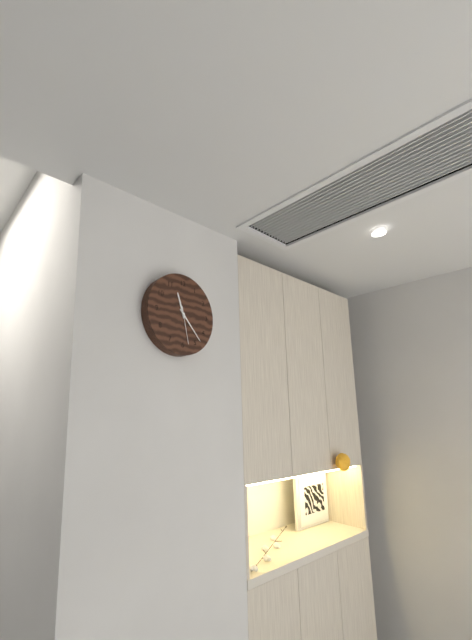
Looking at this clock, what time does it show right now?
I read 11:23
